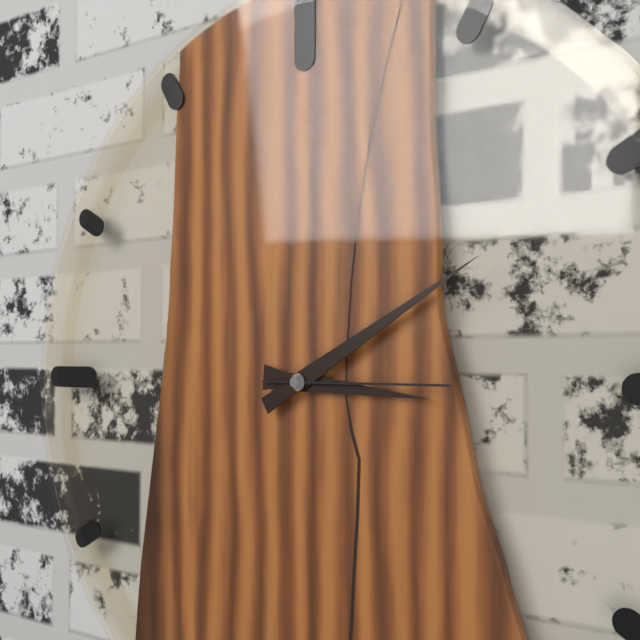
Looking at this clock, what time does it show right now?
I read 3:10:15
